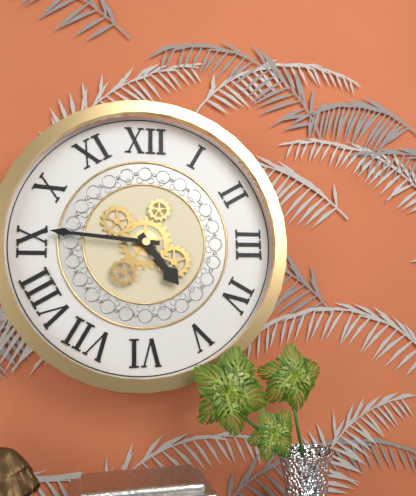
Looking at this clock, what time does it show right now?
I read 4:46
